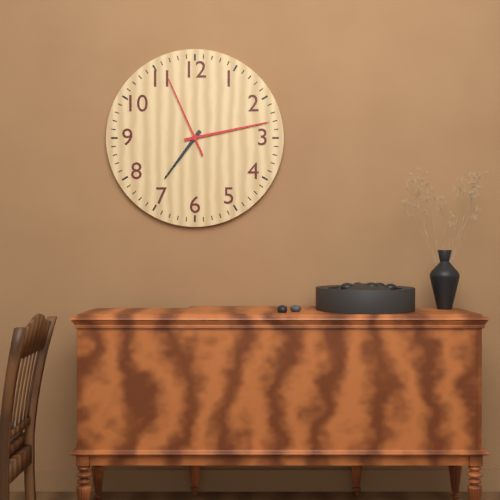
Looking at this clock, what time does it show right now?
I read 7:13:56
